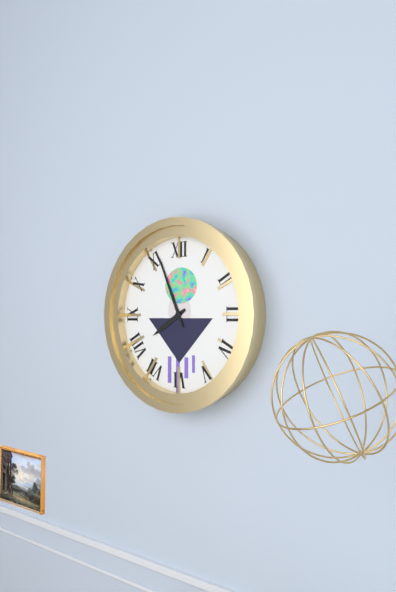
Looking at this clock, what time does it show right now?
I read 7:56
